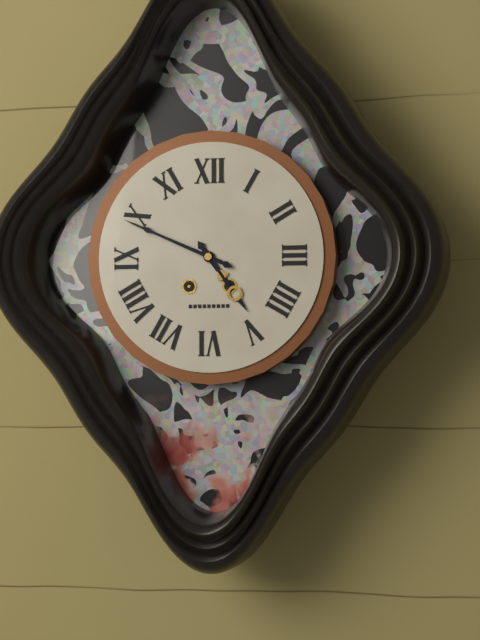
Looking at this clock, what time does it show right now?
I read 4:49
